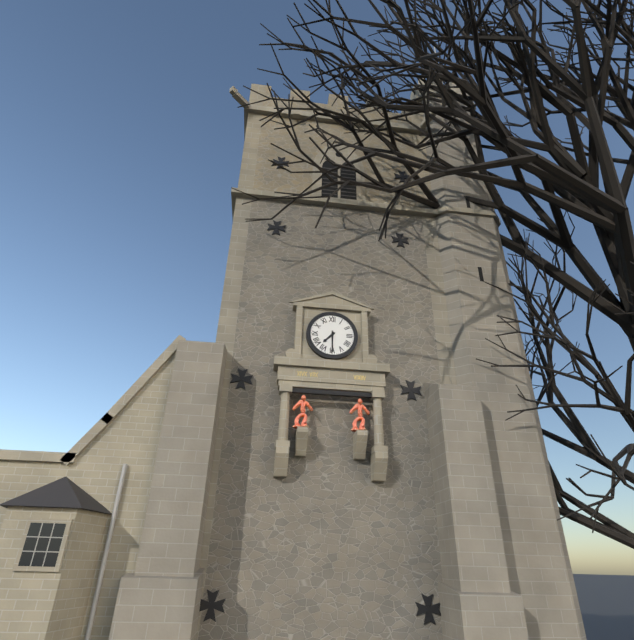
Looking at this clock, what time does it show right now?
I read 7:30
